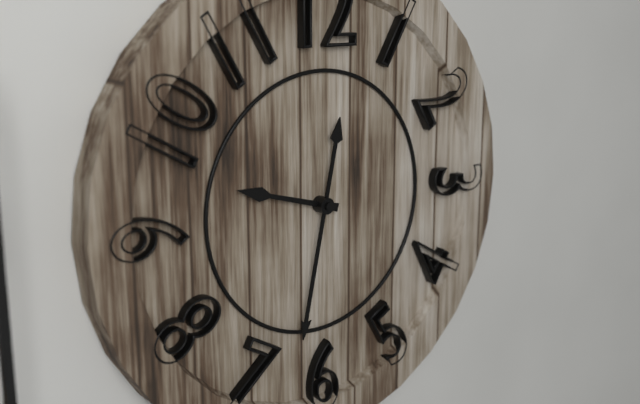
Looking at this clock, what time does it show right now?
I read 9:32
